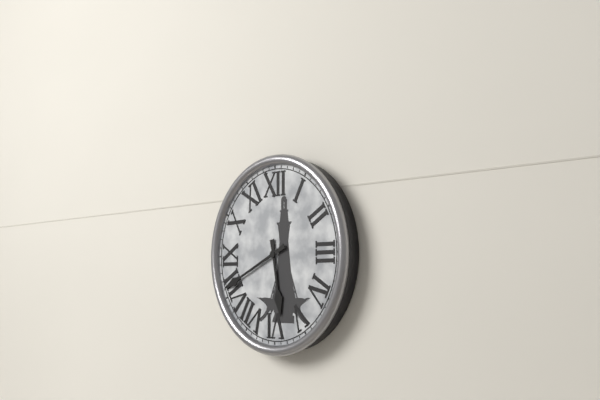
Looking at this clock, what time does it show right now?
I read 5:41
